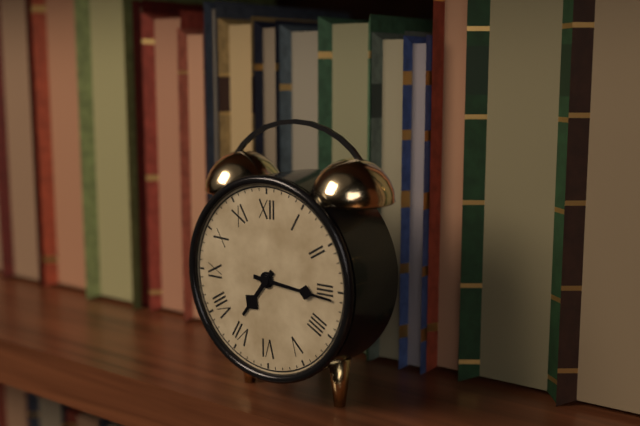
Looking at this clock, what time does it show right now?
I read 7:16
